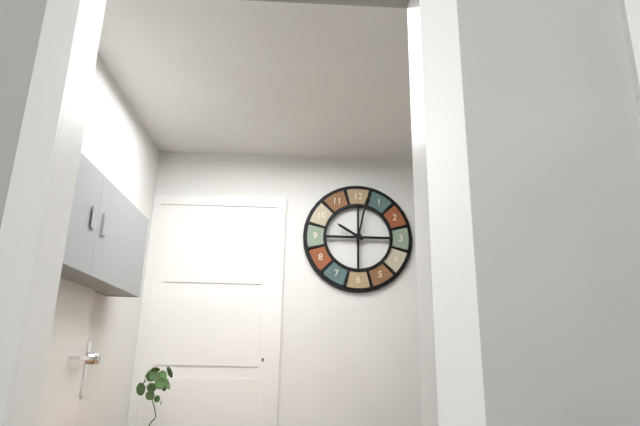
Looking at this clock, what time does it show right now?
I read 10:02
